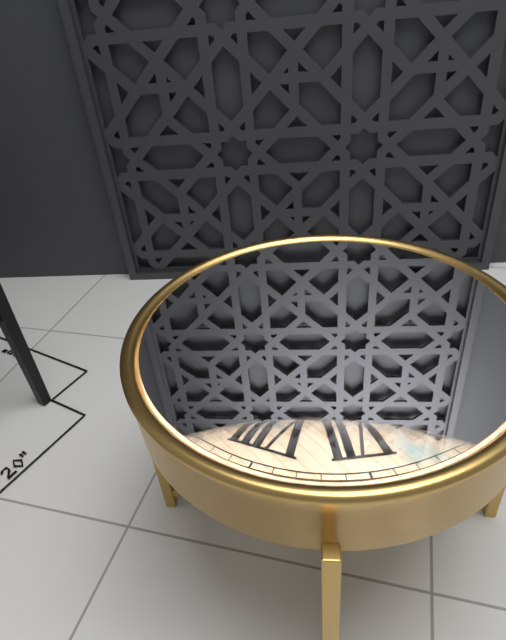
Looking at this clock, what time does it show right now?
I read 4:20
